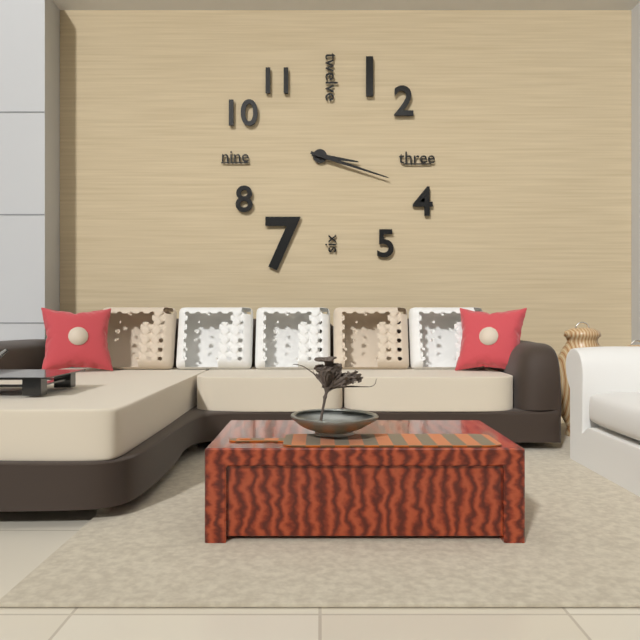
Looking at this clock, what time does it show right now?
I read 3:18
